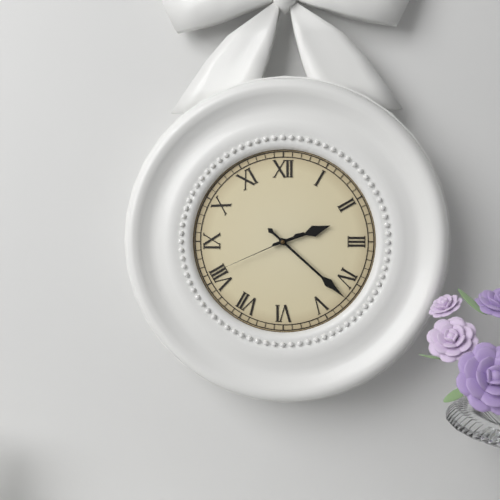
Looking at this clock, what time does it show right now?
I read 2:22:41
